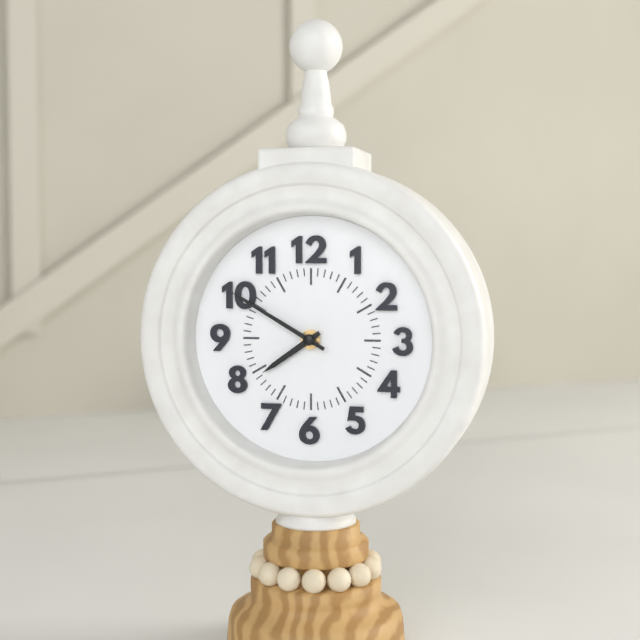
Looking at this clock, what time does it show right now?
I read 7:50
